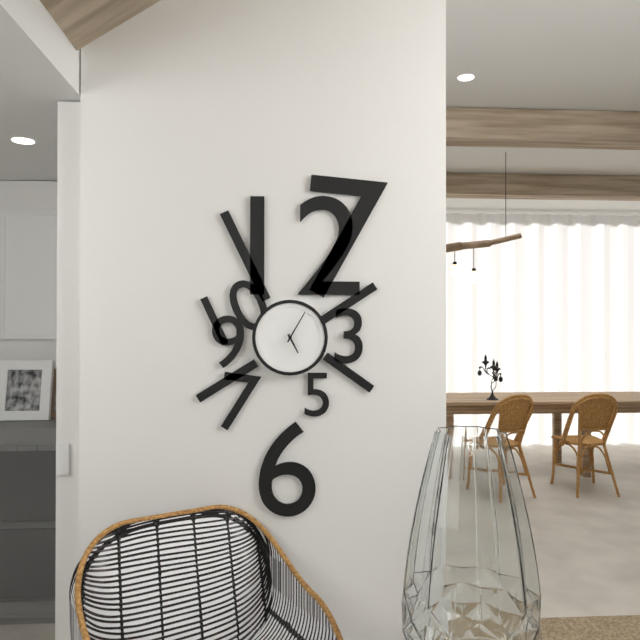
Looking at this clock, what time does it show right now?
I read 5:05
